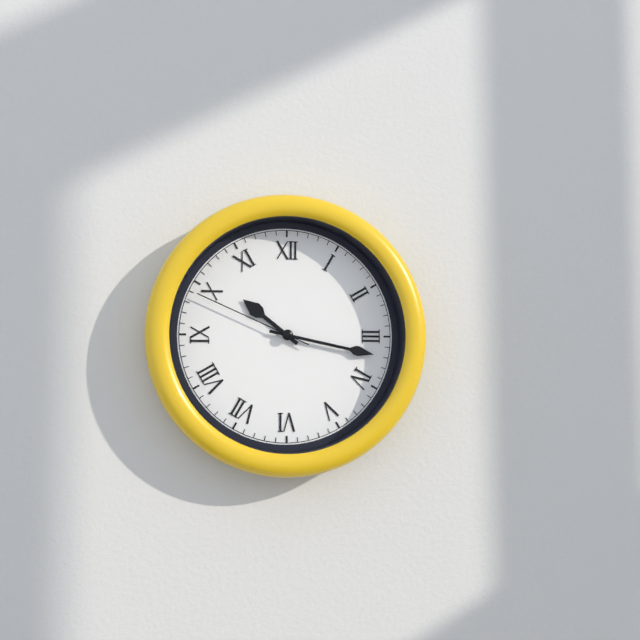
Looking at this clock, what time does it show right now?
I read 10:17:49
